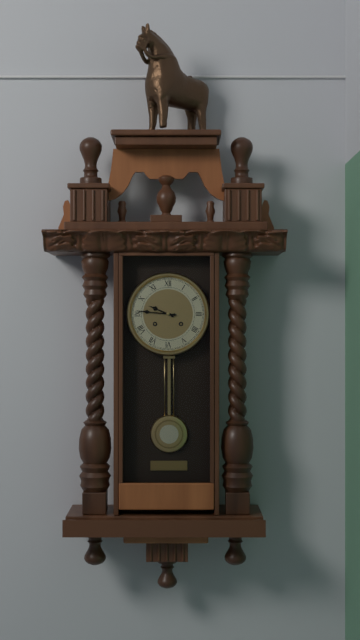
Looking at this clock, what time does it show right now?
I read 9:46
